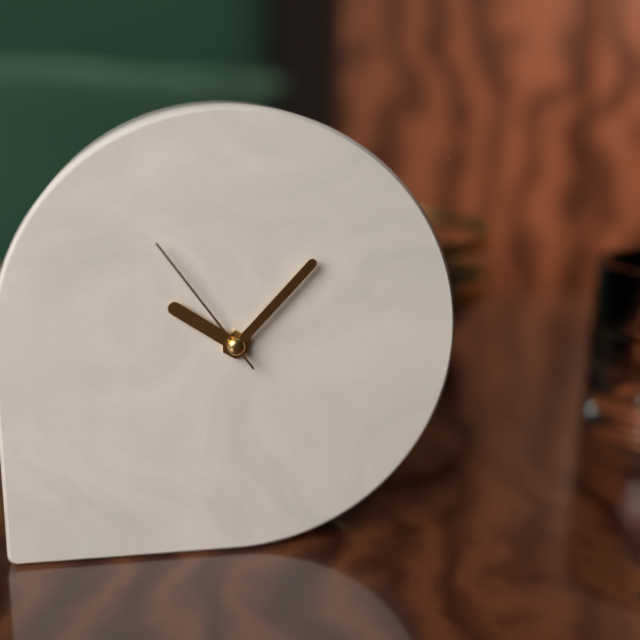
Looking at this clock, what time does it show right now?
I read 10:07:54
